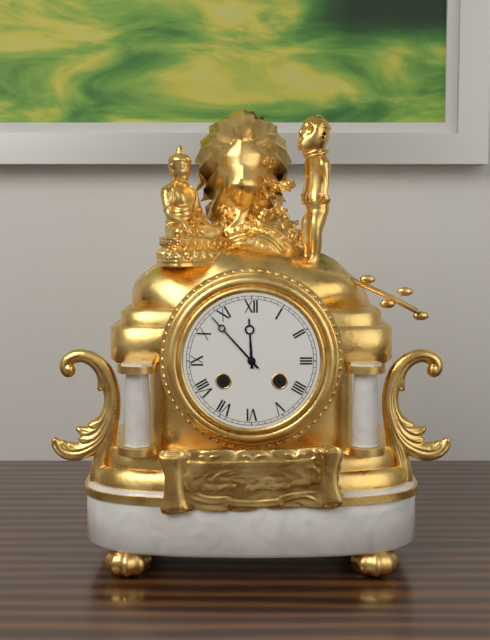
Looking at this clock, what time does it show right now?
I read 11:53
